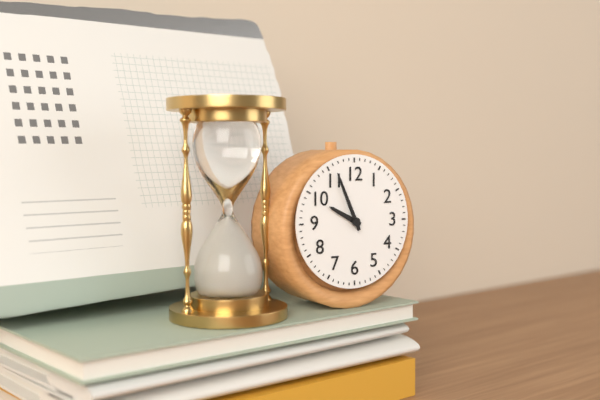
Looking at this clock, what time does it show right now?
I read 9:56
